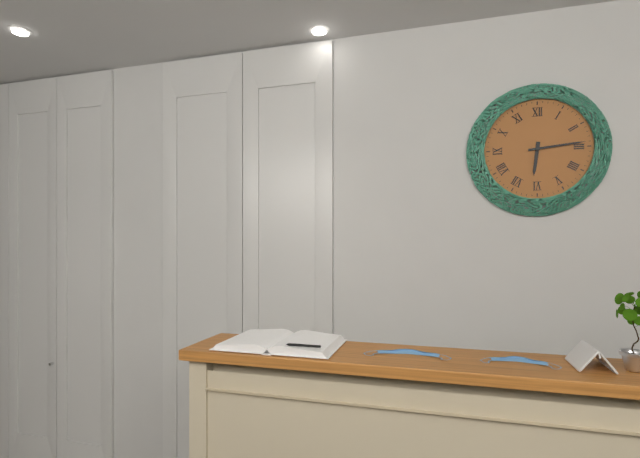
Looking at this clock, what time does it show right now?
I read 6:14
